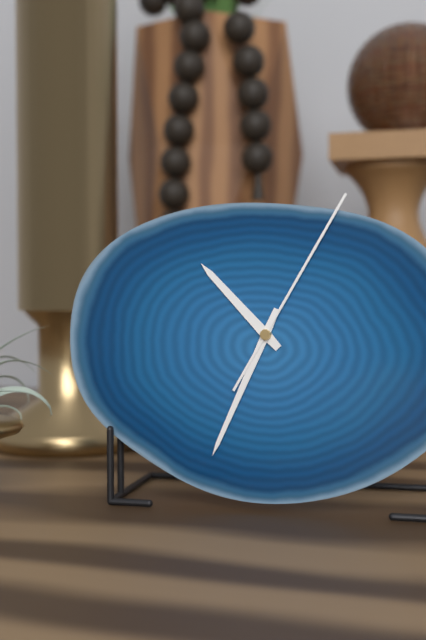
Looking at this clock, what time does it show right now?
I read 10:34:05
